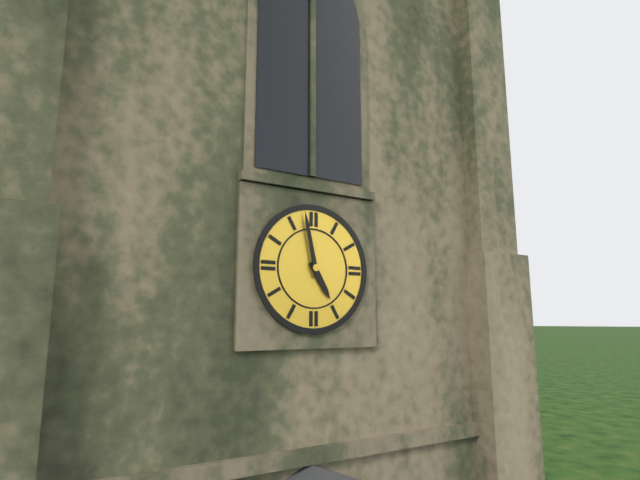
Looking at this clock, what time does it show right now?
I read 4:58
